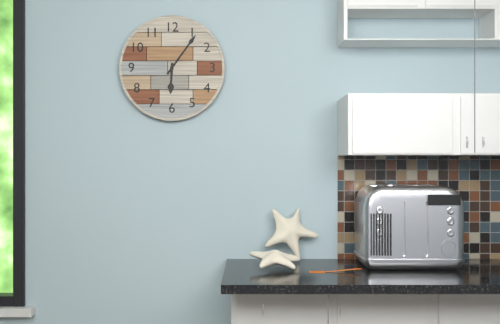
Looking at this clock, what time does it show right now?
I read 6:06
